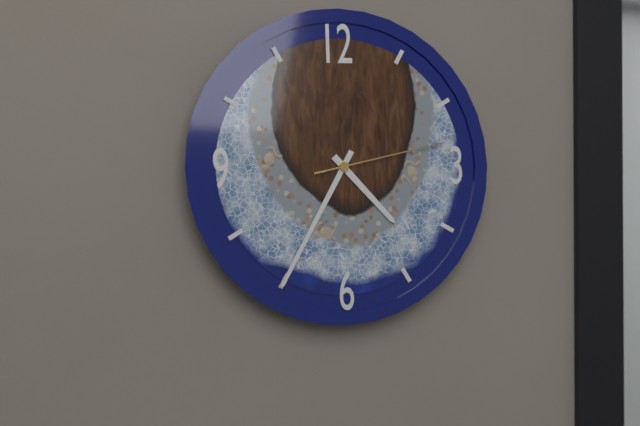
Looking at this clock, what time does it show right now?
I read 4:35:13
